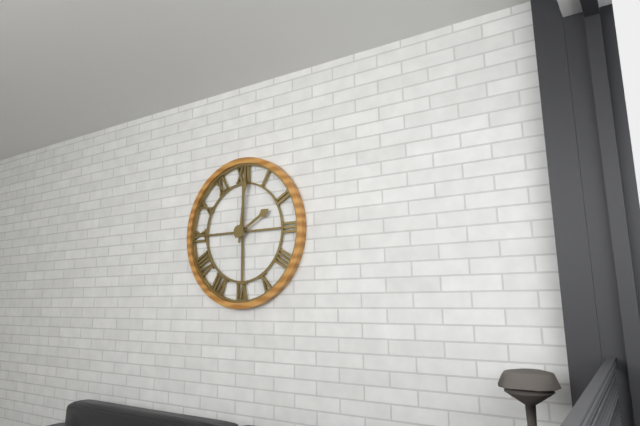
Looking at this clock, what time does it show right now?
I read 2:01
